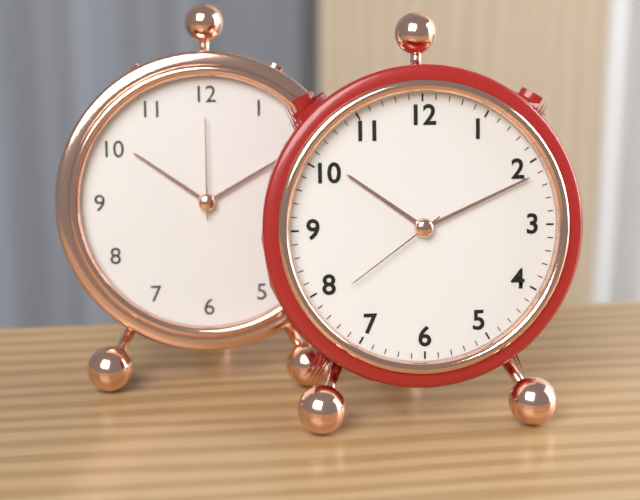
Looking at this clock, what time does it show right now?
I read 10:11:39
